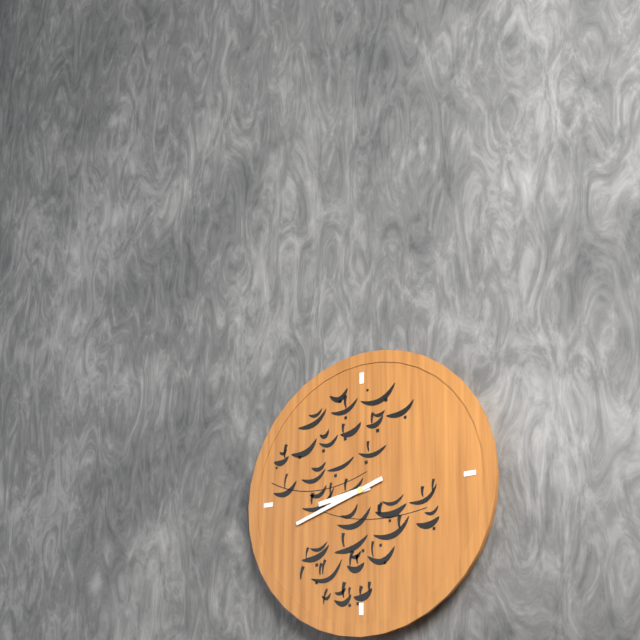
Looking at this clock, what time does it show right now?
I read 8:42
